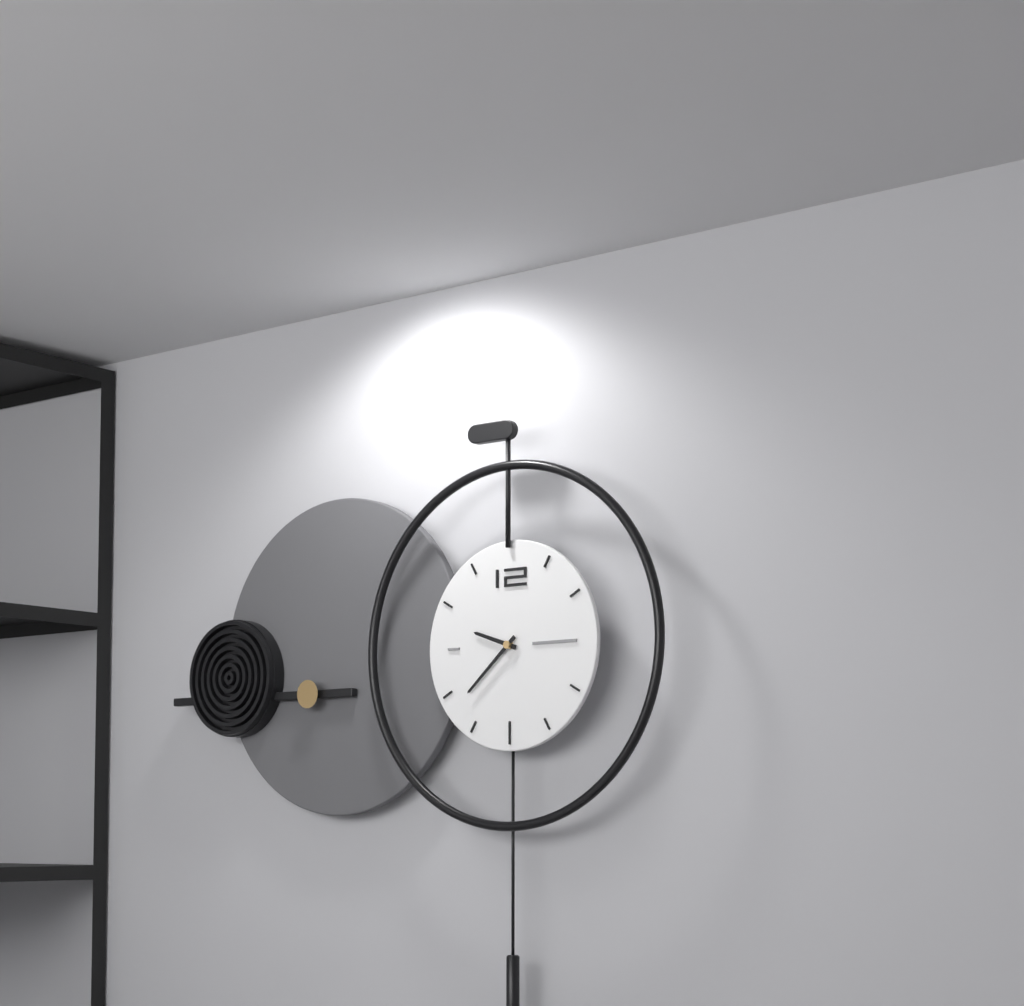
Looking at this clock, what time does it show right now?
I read 9:38
